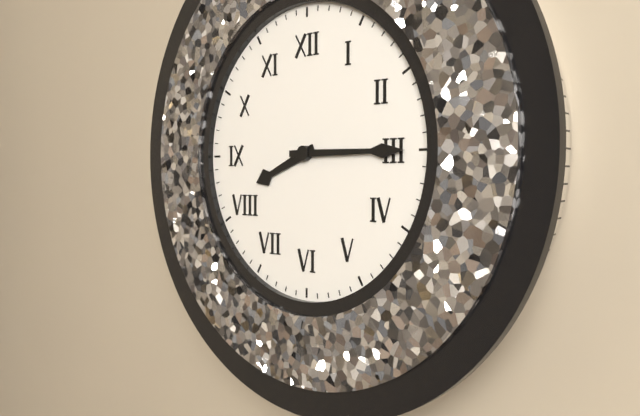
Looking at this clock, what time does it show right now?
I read 8:15
